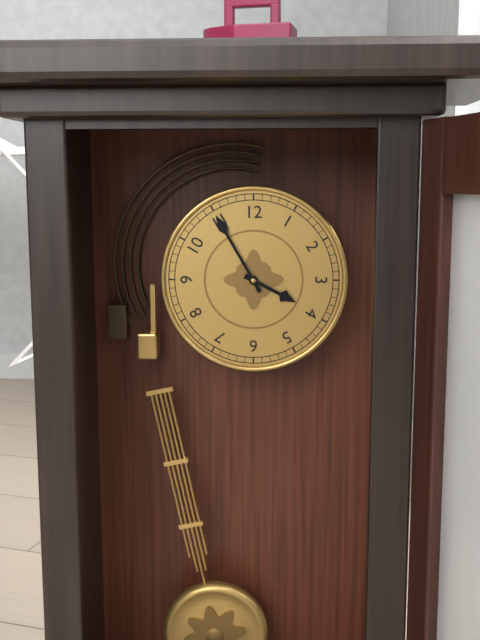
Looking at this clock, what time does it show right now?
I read 3:55
